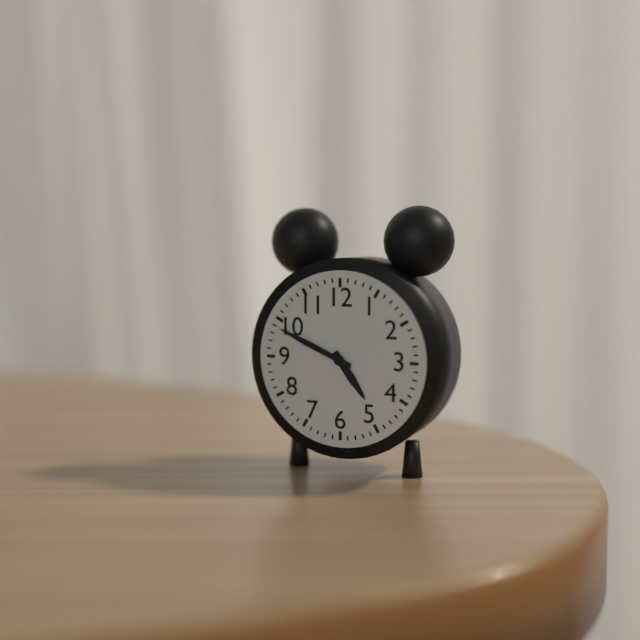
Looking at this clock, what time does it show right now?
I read 4:49
